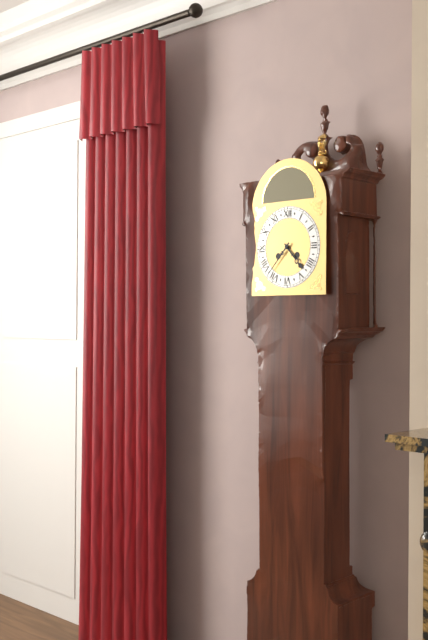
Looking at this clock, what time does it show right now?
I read 4:37
